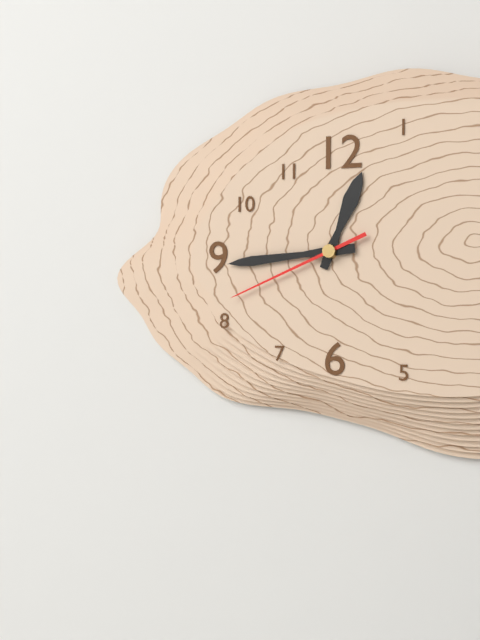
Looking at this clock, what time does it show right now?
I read 12:44:41
